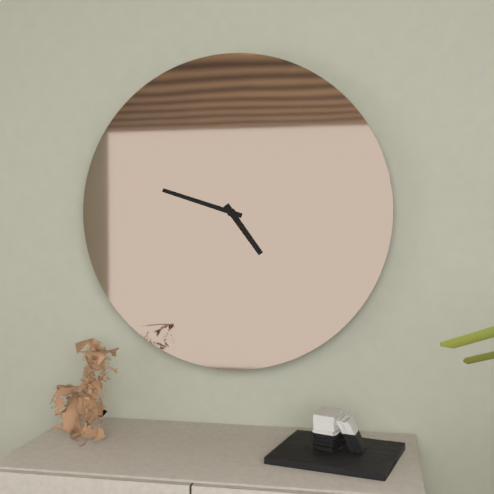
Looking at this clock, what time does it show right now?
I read 4:48
